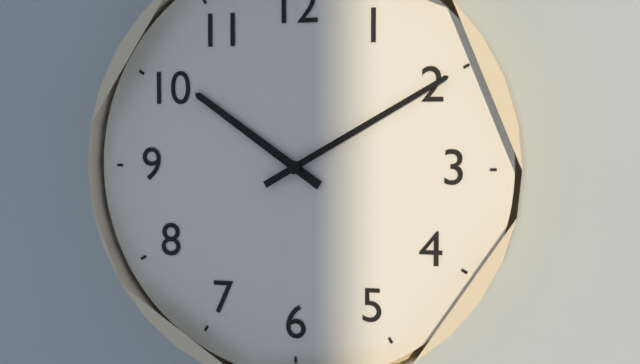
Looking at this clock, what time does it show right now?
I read 10:10
